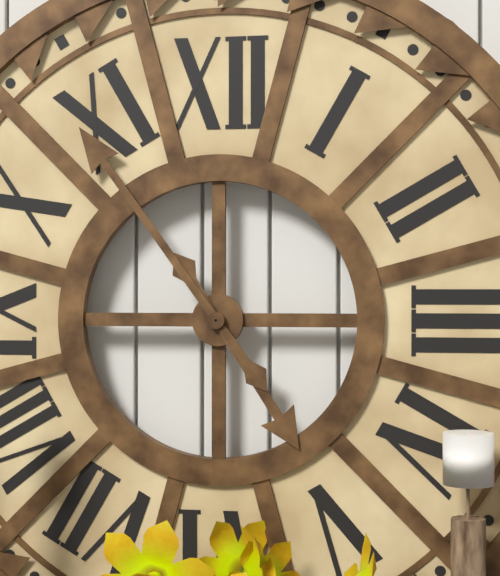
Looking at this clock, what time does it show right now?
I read 4:54
